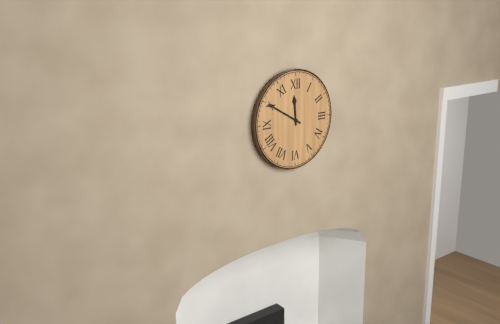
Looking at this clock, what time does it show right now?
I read 11:50
